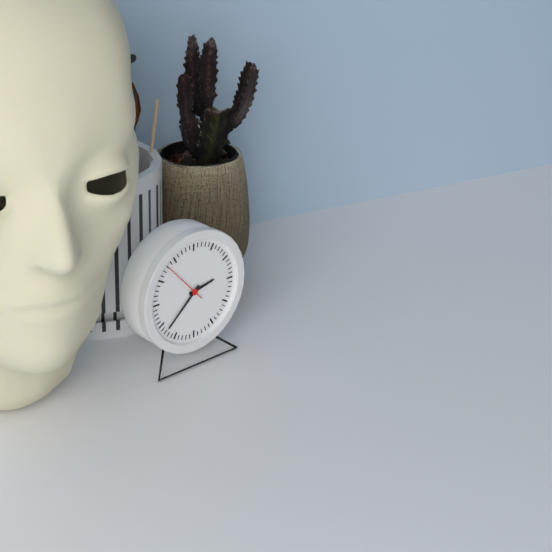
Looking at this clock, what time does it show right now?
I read 2:38
